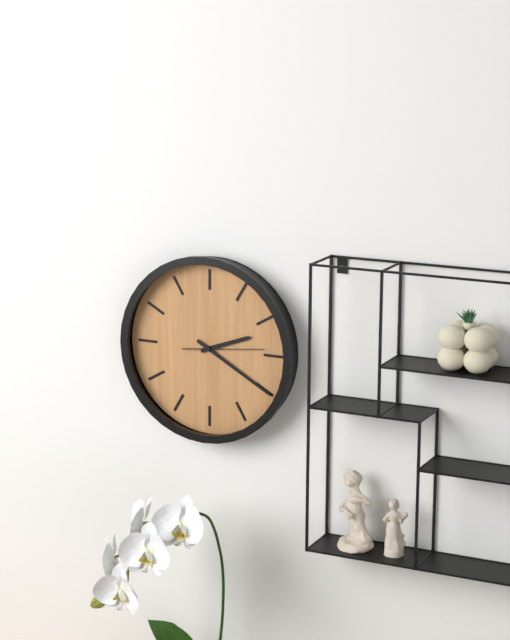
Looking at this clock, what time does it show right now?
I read 2:20:14
